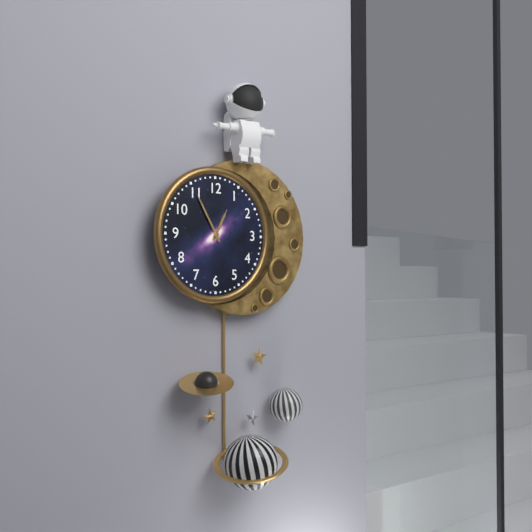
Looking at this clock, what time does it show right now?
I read 12:55
